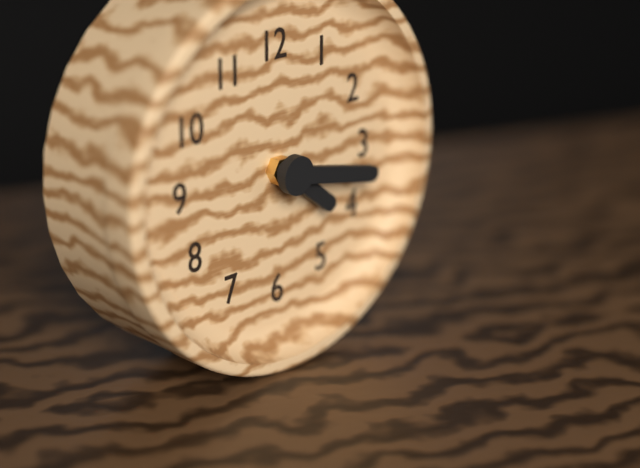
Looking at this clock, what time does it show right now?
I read 4:17
